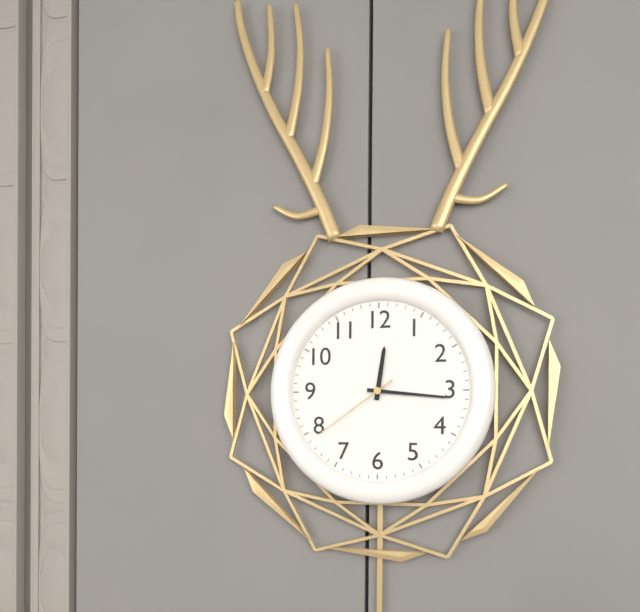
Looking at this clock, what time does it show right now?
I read 12:16:39
